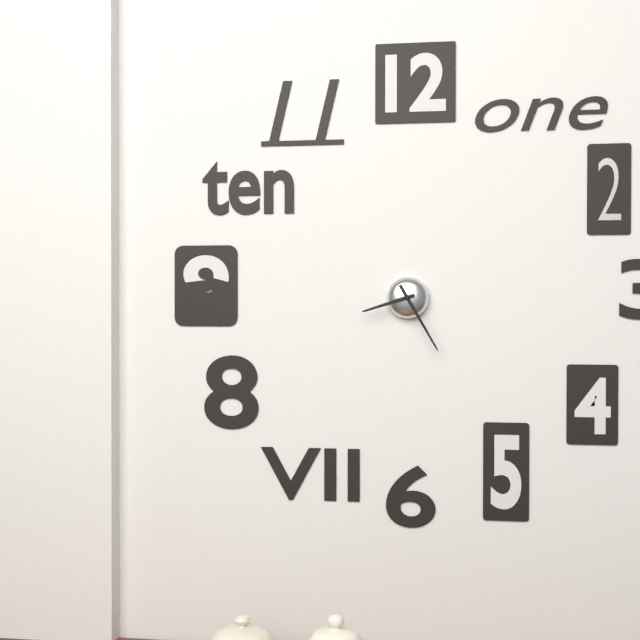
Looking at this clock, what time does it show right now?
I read 8:25
